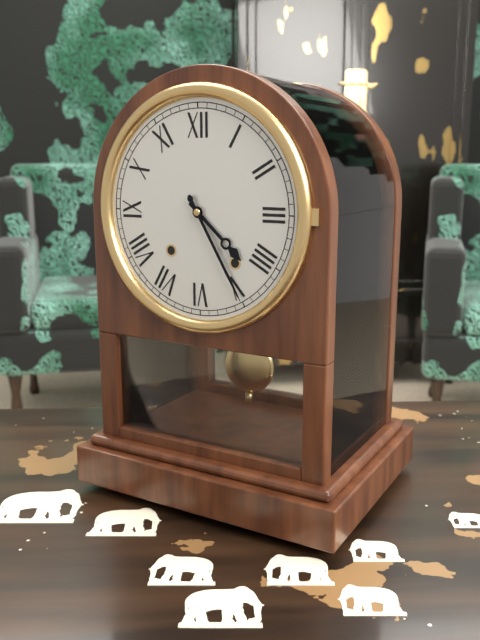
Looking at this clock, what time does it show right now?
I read 4:25
